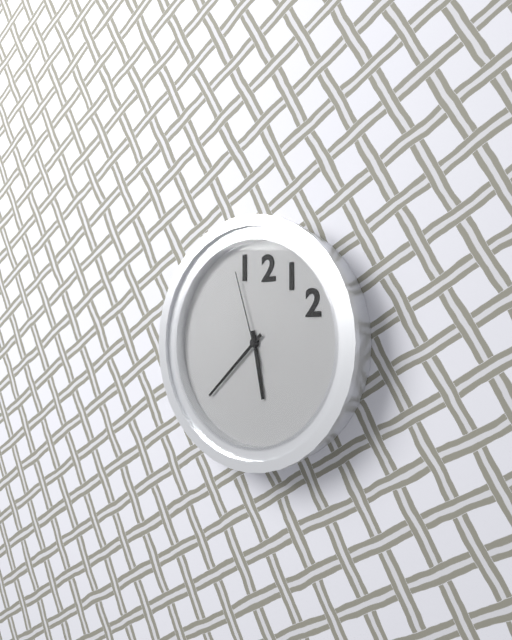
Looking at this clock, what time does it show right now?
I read 5:38:57
